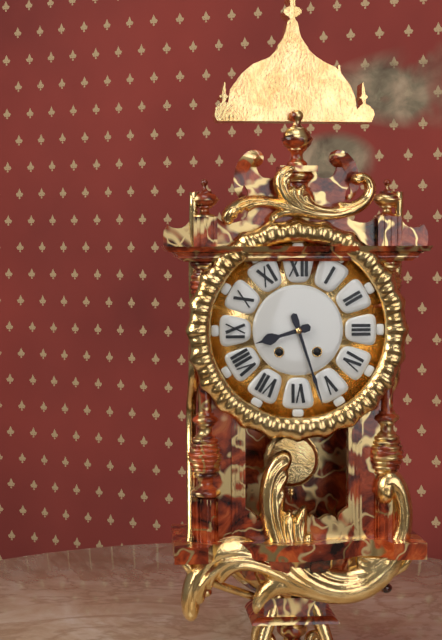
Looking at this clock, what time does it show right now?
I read 8:27
